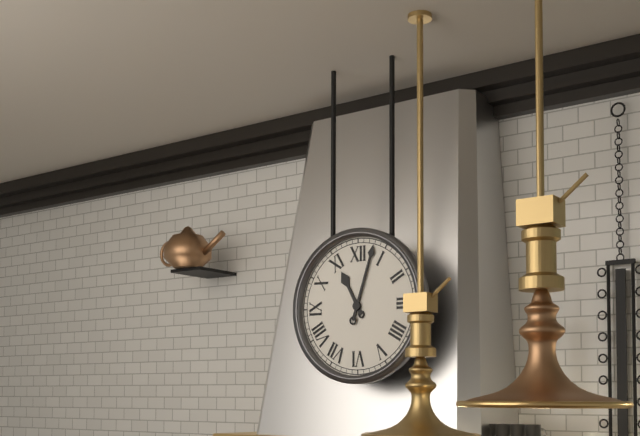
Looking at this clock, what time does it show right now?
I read 11:03
